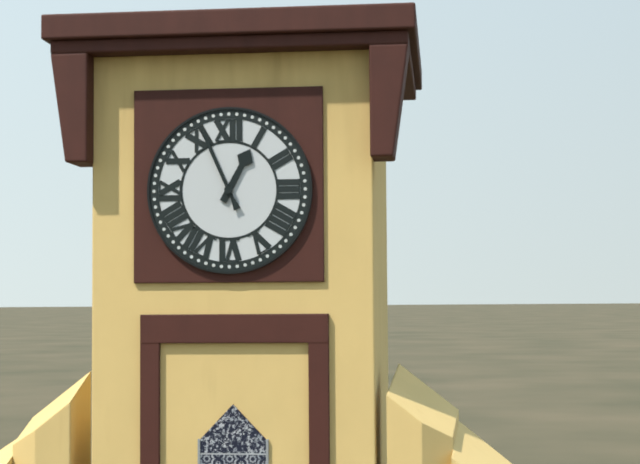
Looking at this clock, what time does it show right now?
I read 12:56
